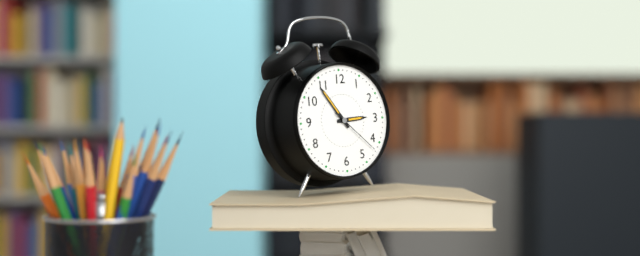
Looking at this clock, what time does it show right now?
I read 2:54:22
